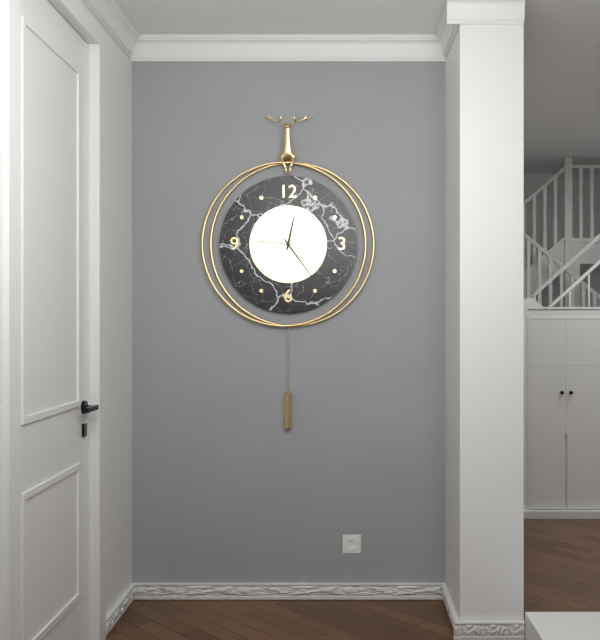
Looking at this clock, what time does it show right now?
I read 12:24
